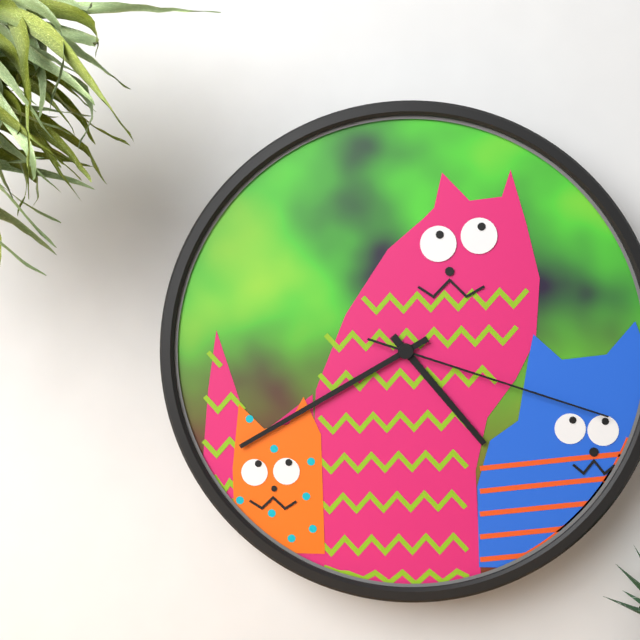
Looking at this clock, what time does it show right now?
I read 4:40:18
